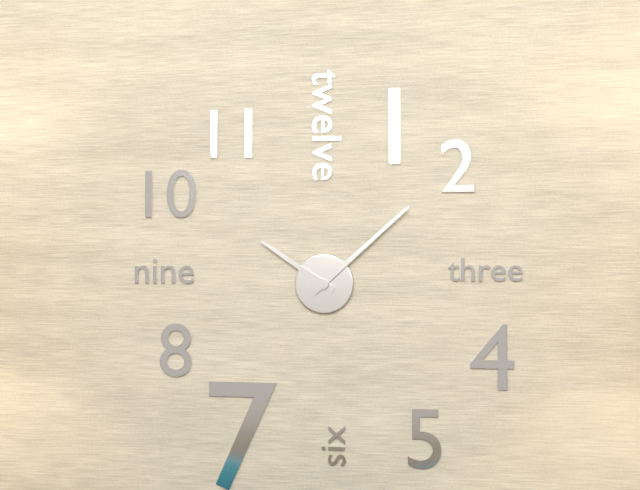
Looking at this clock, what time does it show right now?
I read 10:08
